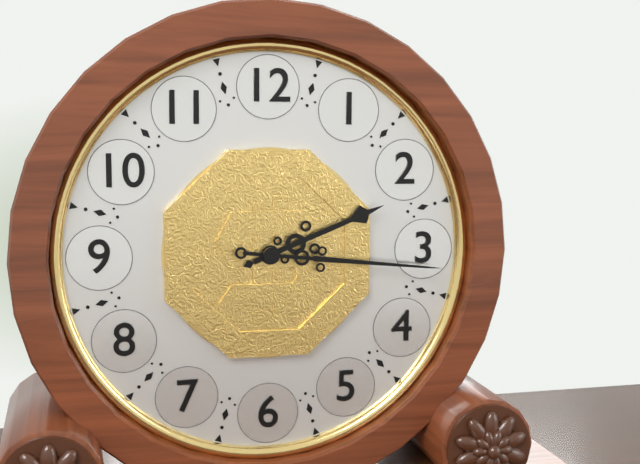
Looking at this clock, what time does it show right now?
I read 2:16
